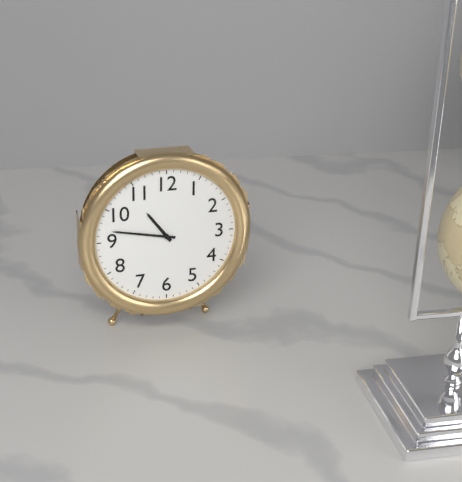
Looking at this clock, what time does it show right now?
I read 10:47
